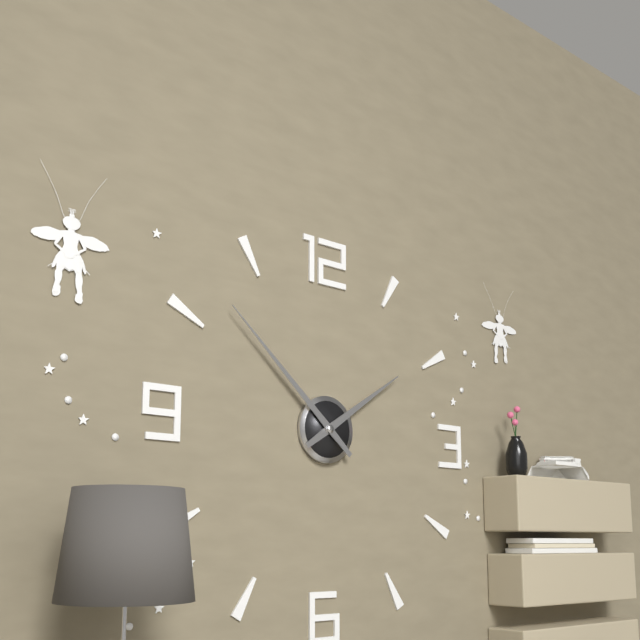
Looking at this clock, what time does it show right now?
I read 1:52
